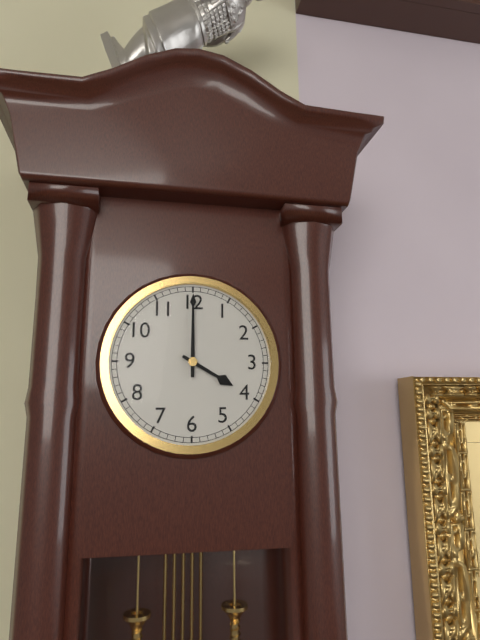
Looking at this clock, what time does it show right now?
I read 4:00
